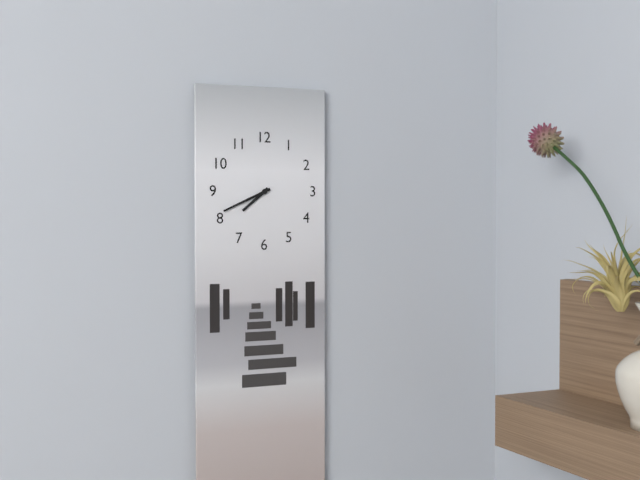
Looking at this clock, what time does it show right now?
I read 7:41
